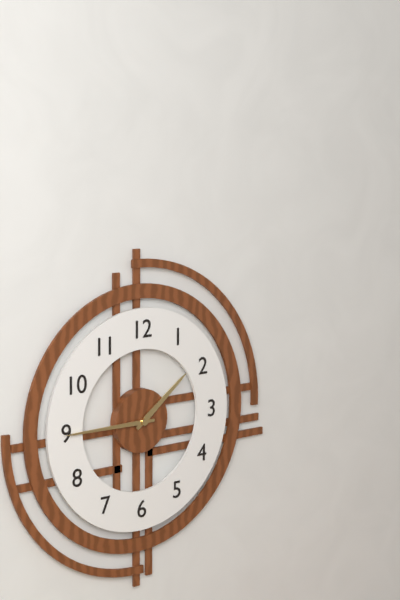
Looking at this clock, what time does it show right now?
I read 1:45
